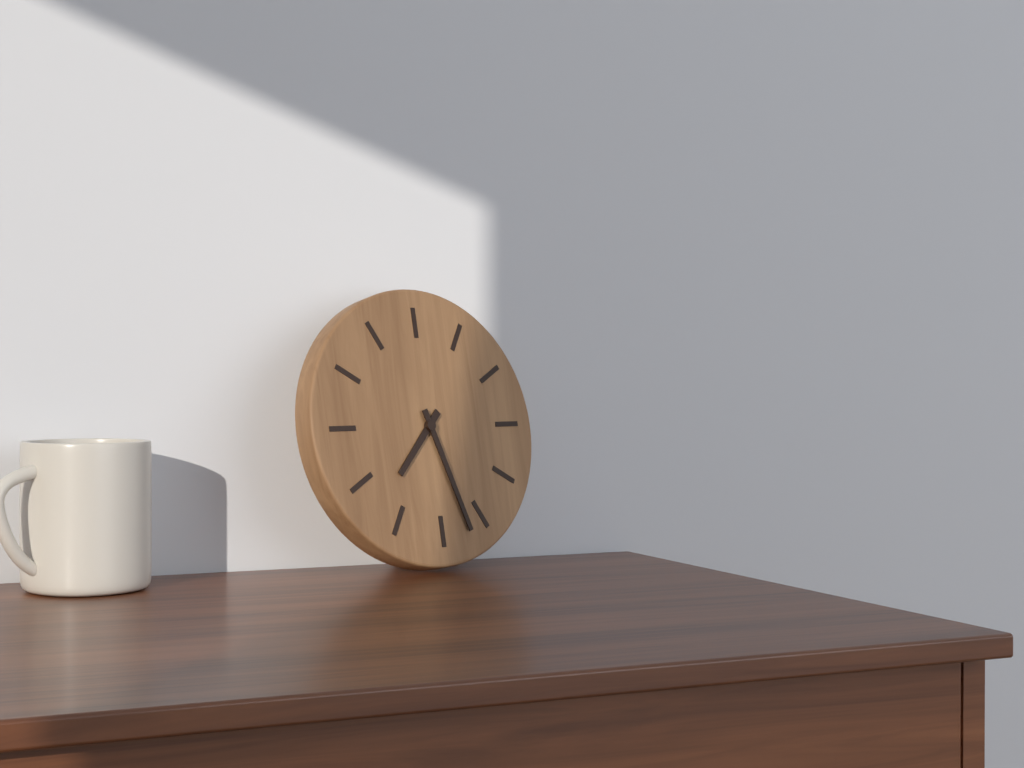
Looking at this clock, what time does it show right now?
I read 7:27
